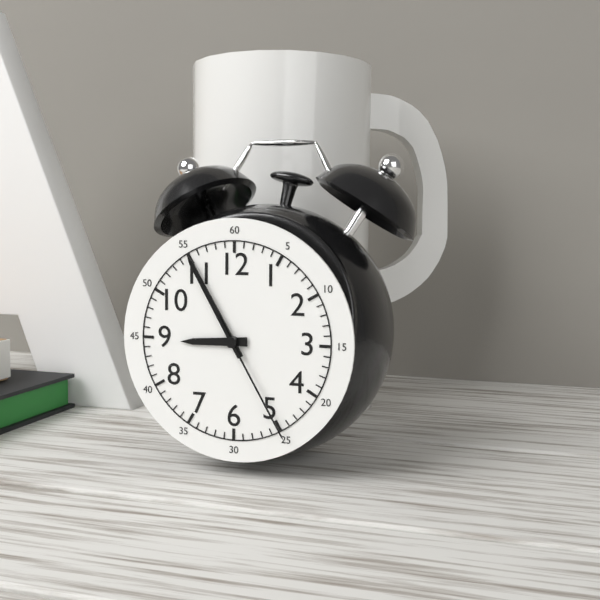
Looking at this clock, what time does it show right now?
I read 8:55:25
